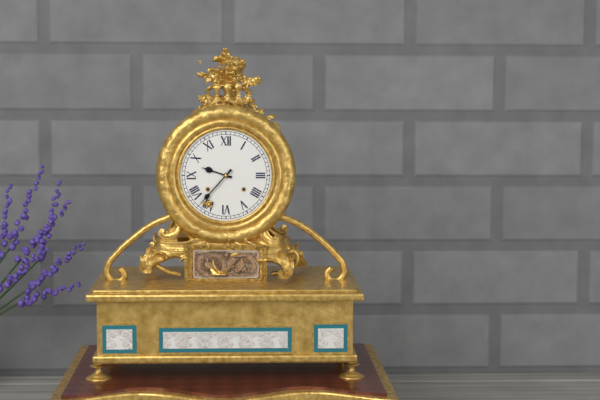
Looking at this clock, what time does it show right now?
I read 9:37
